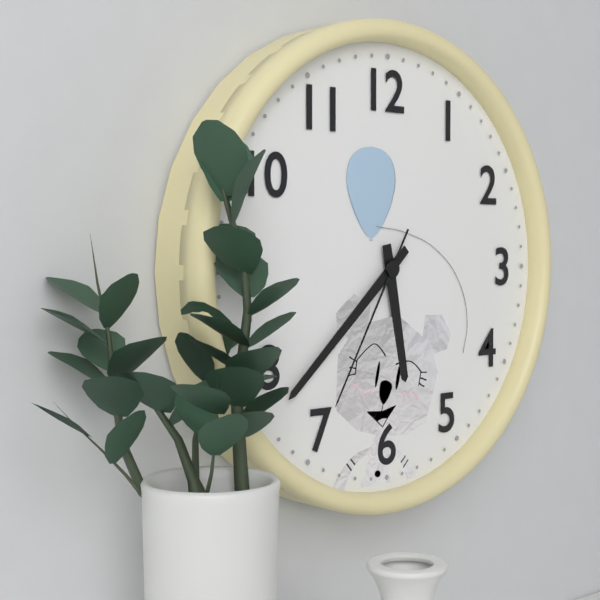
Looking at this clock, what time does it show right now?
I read 5:38:35
